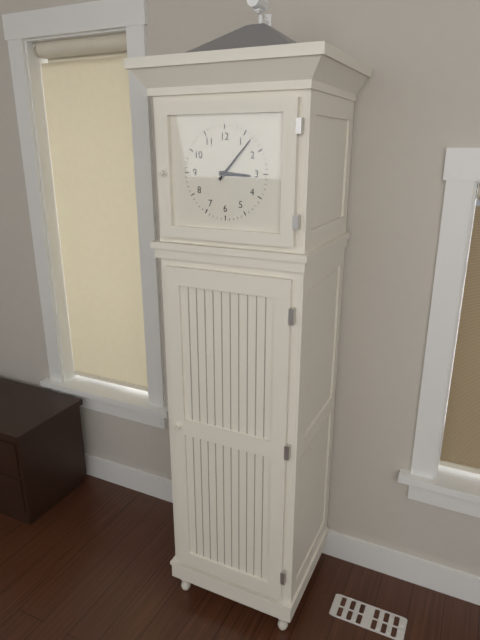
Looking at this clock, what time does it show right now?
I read 3:07
